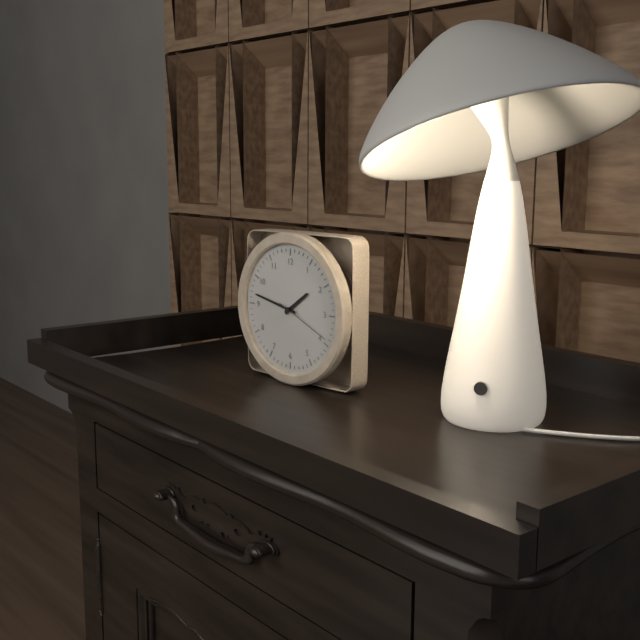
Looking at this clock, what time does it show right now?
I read 1:47:19
